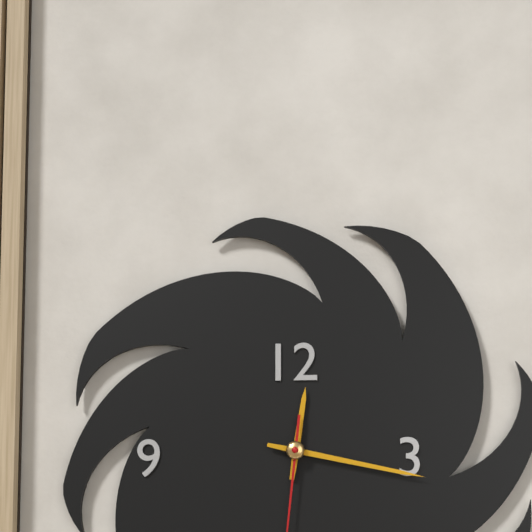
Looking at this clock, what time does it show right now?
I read 12:17
